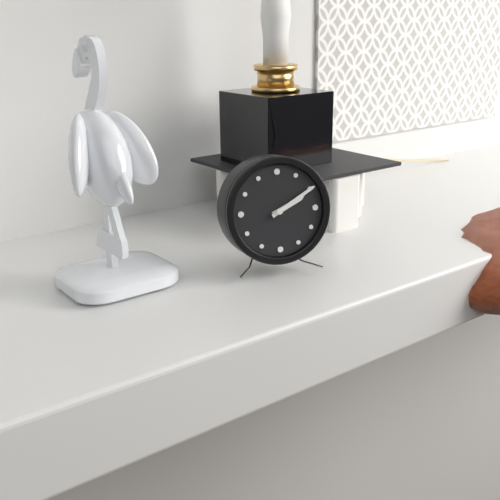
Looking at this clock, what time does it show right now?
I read 2:10
